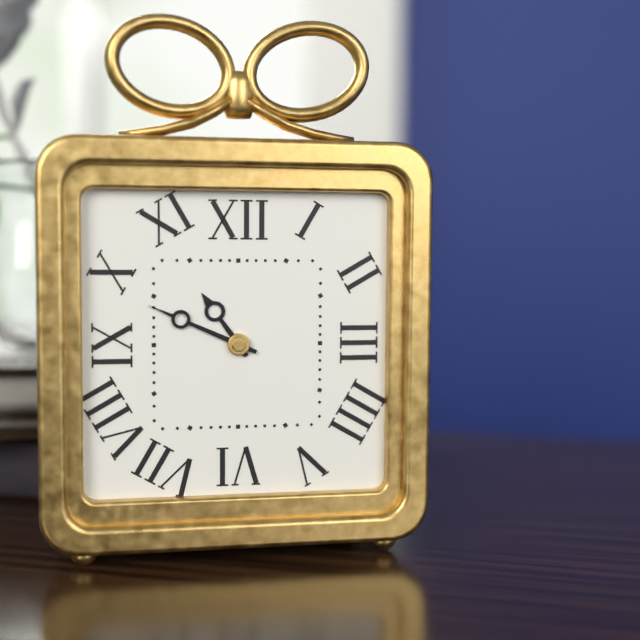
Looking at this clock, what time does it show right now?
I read 10:49
